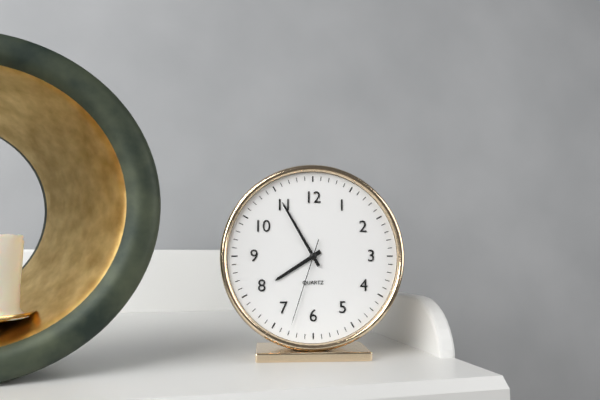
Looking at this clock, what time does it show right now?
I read 7:55:33
